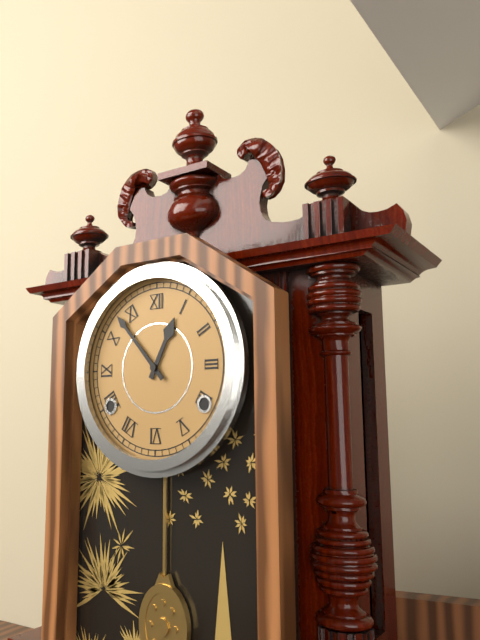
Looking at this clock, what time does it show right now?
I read 12:53
